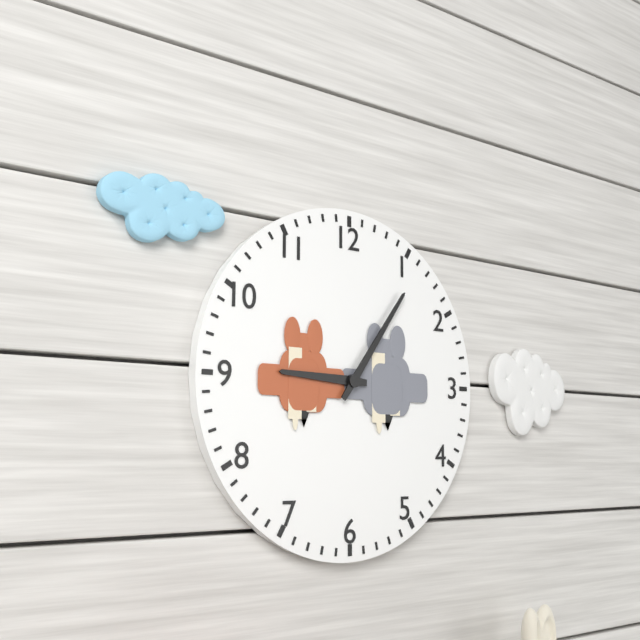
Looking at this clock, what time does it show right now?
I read 9:06
